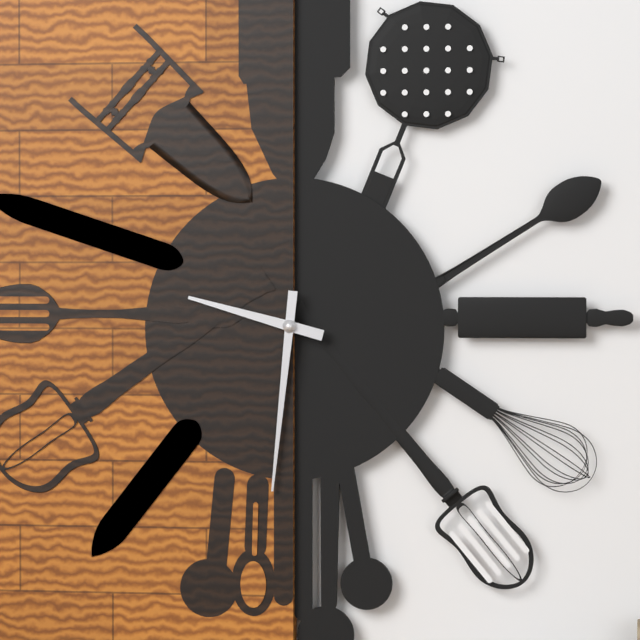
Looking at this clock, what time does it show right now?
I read 9:31
